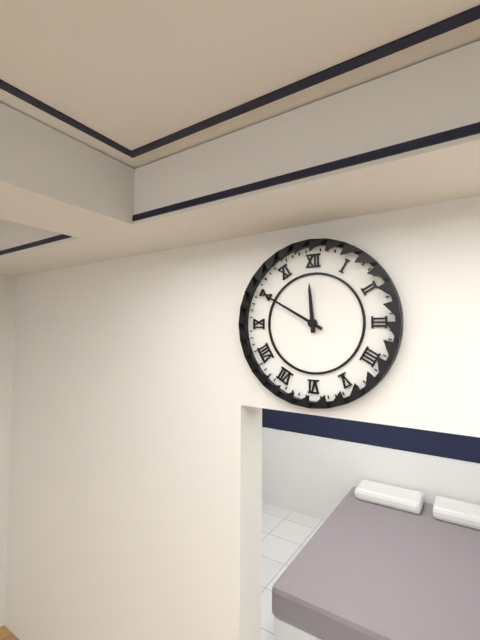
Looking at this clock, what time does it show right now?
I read 11:50
